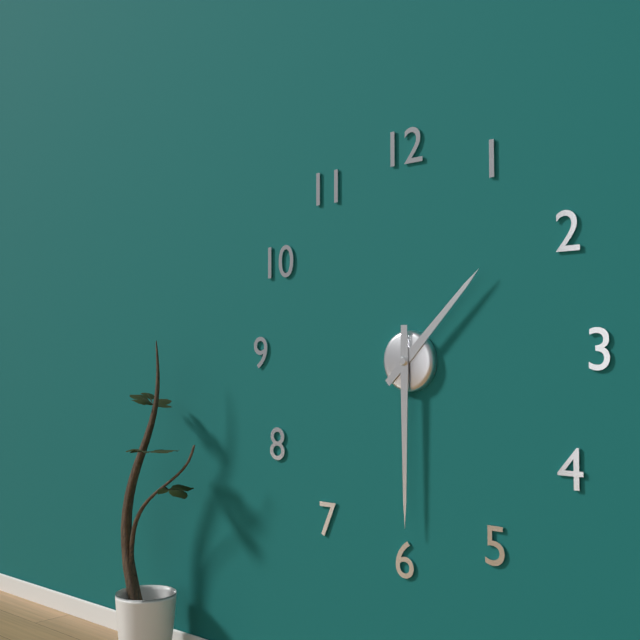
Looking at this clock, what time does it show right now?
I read 1:30
